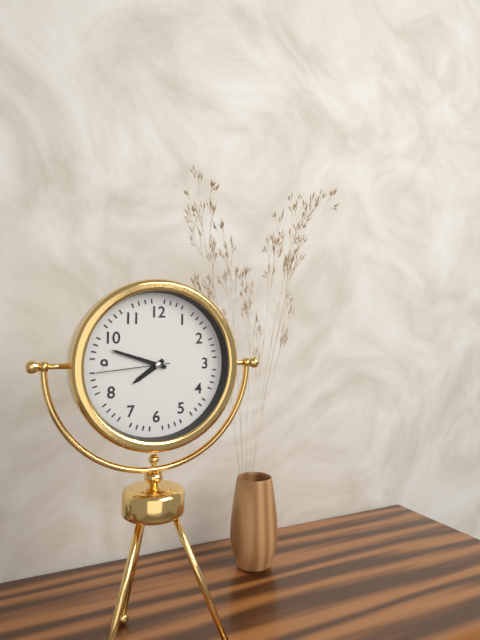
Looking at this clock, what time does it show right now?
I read 7:48:44
